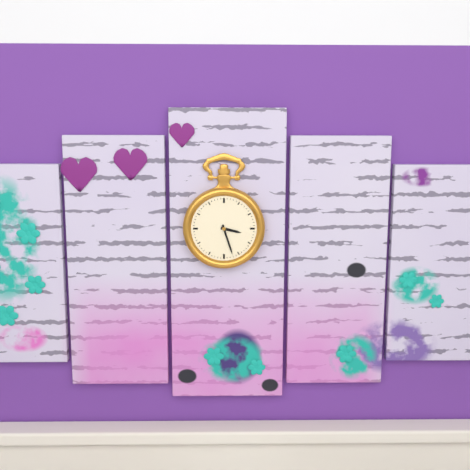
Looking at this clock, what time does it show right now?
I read 3:27
